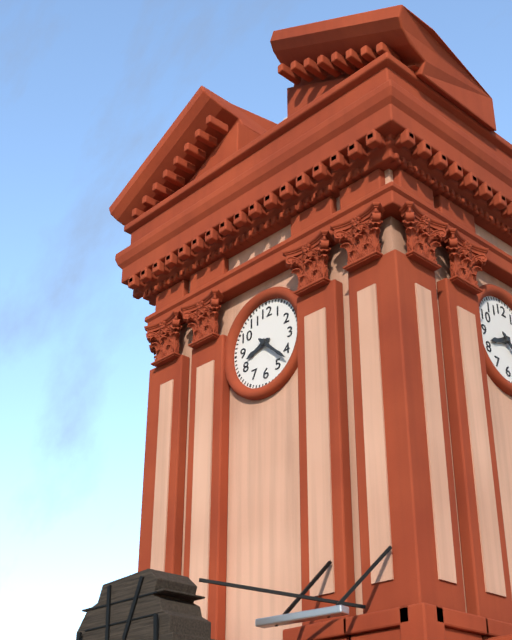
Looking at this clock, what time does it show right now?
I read 8:22
